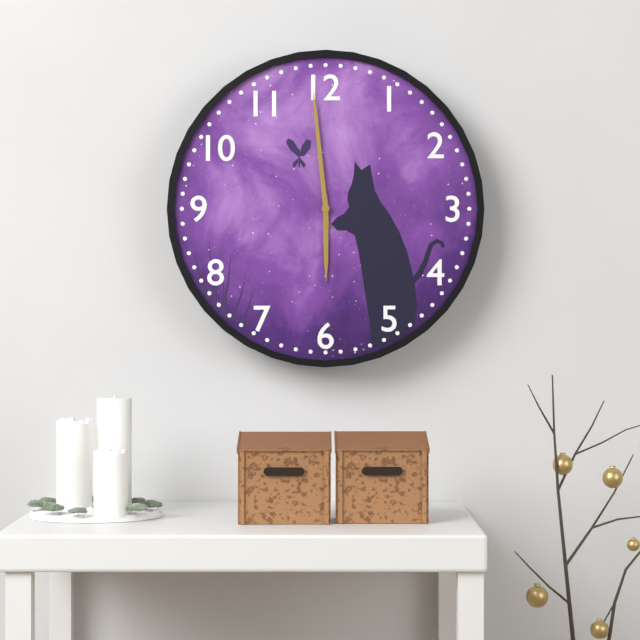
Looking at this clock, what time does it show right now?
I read 5:59
